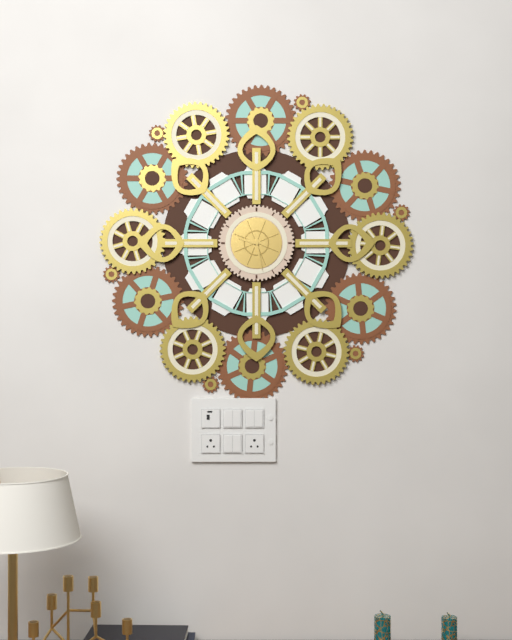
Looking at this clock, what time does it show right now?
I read 9:28
